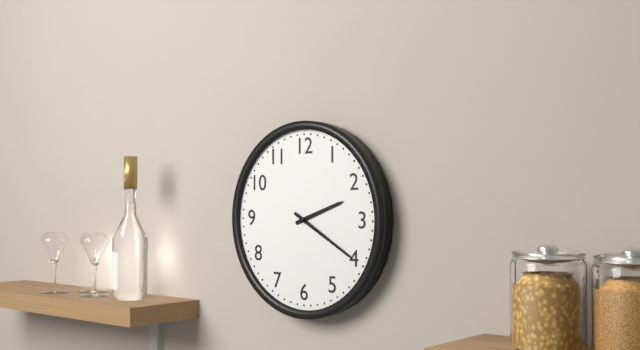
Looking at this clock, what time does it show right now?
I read 2:20
